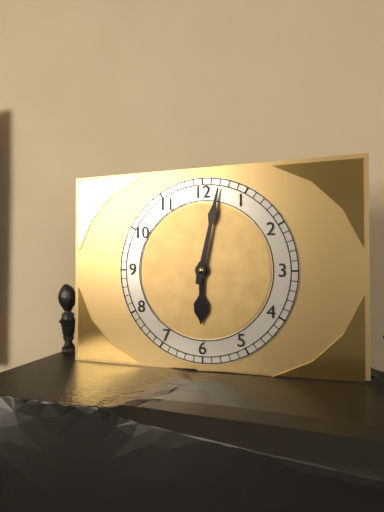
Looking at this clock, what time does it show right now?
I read 6:02
